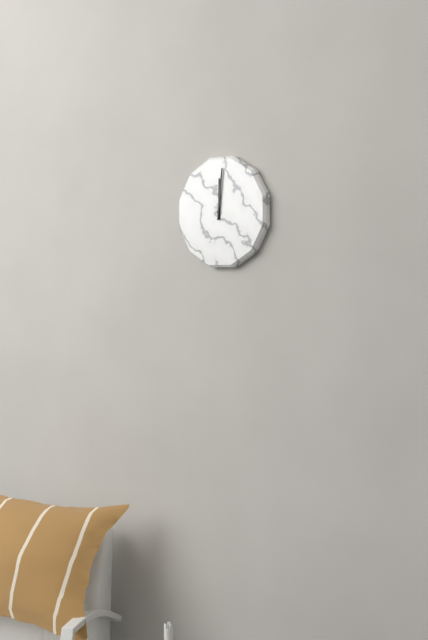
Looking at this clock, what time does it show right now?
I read 12:01
